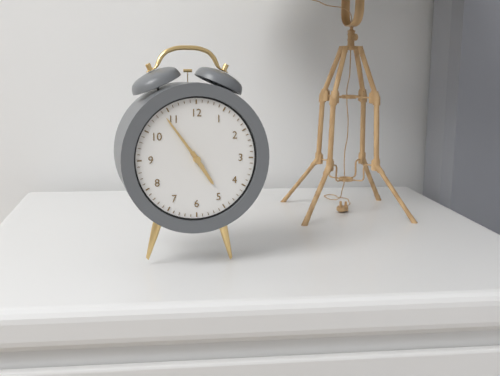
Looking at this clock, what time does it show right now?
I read 4:54
